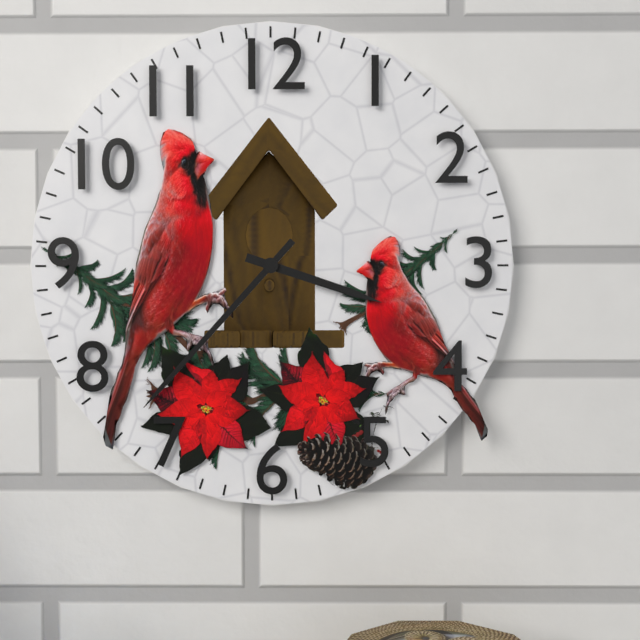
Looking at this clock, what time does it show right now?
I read 3:37
